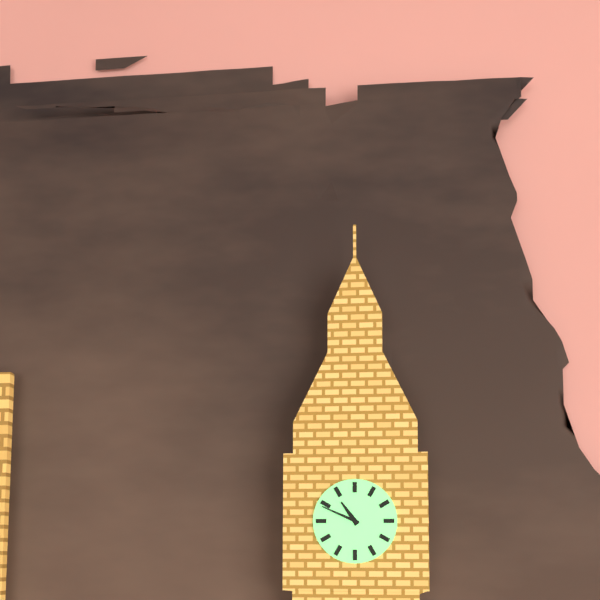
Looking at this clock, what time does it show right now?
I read 10:49
